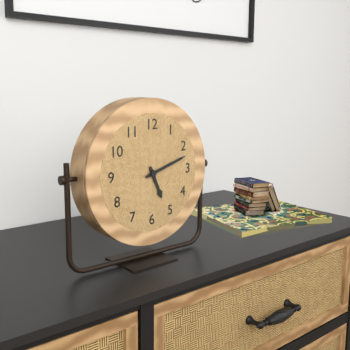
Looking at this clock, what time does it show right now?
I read 5:12
